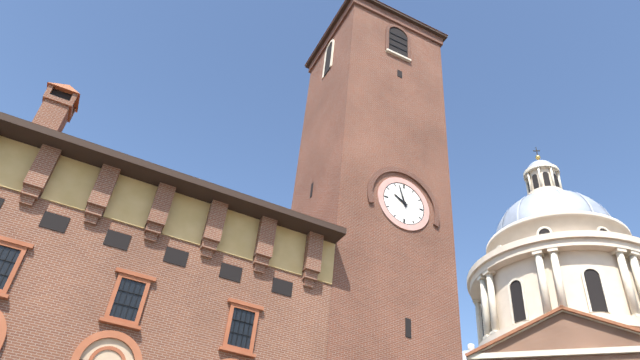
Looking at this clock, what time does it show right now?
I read 9:57
